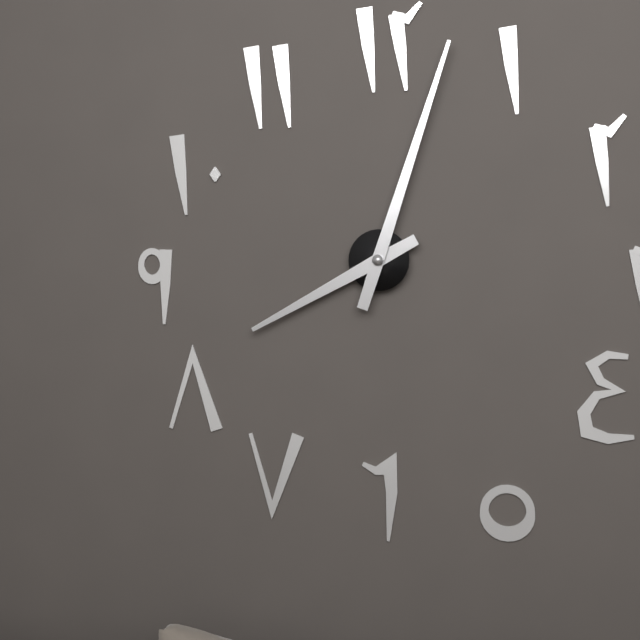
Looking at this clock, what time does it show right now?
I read 8:03
